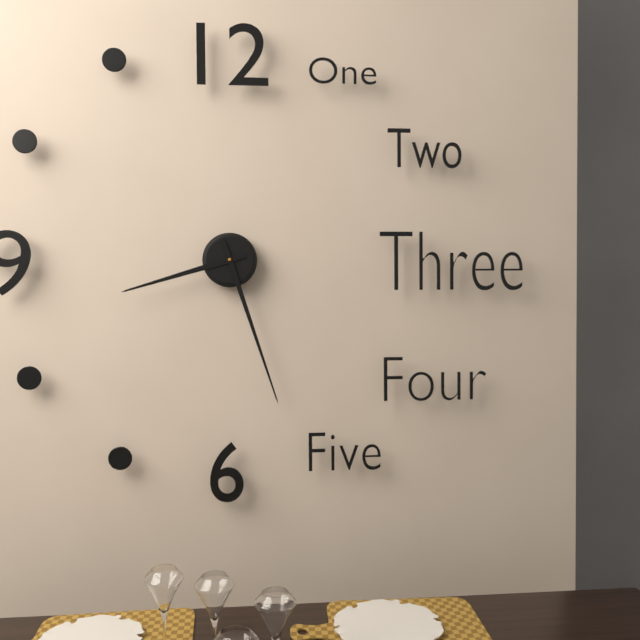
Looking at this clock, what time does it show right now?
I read 8:27
